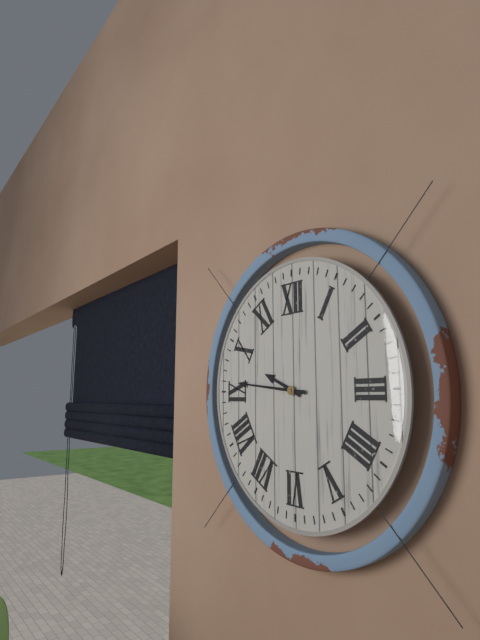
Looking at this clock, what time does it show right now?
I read 9:46
